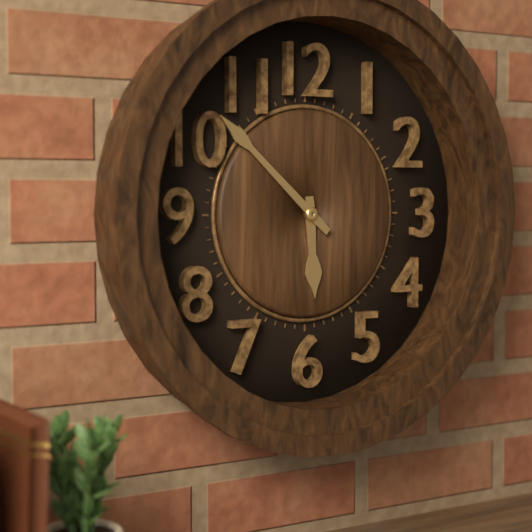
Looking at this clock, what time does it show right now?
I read 5:52
